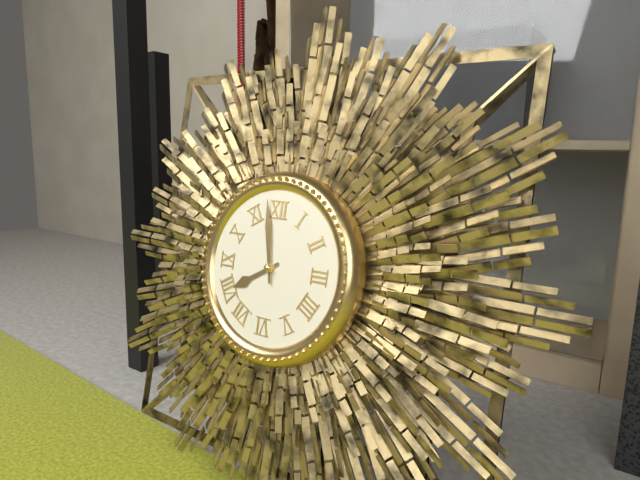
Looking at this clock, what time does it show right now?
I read 7:58
